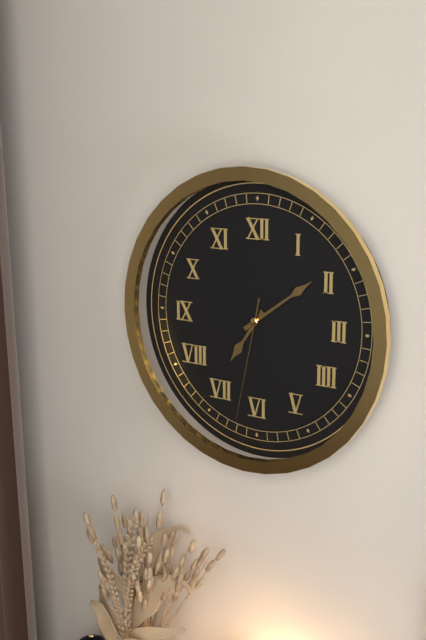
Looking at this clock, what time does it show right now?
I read 7:09:32
